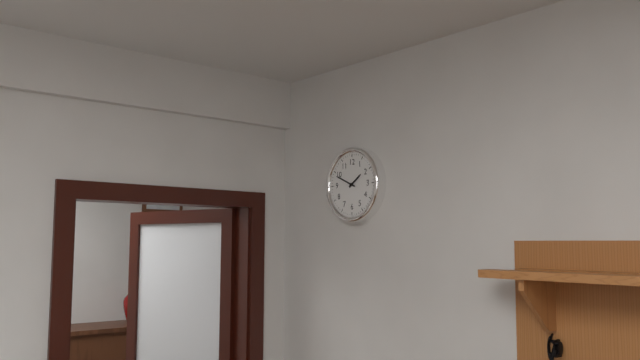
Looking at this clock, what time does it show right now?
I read 1:49
